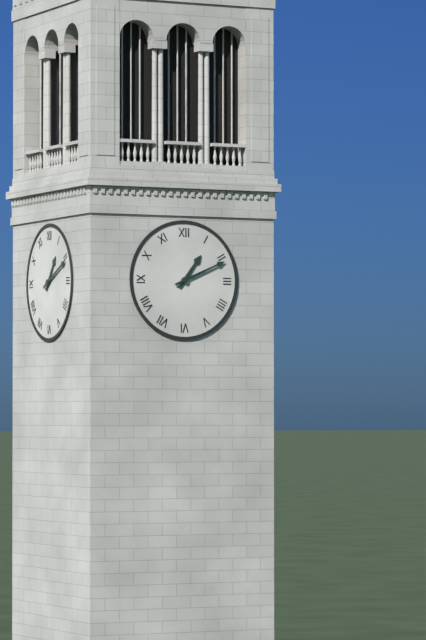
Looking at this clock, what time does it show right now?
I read 1:11
